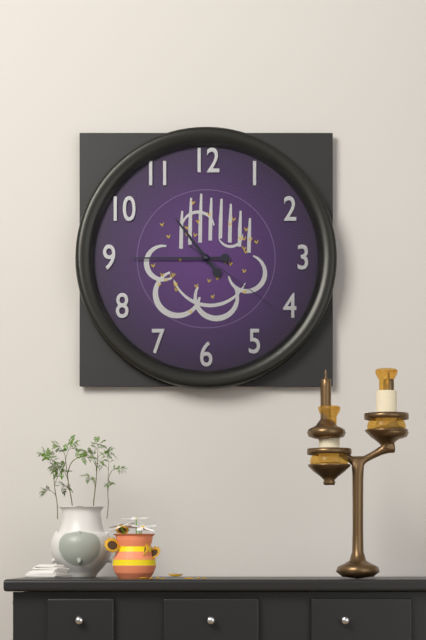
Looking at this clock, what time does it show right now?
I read 10:45:21
